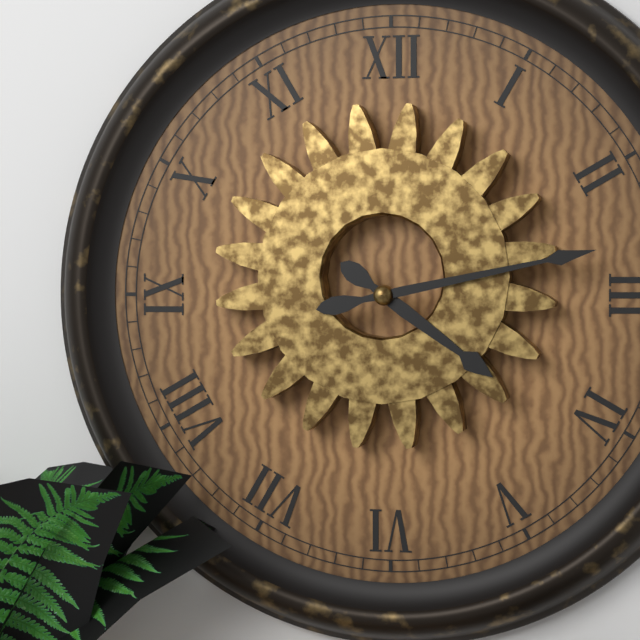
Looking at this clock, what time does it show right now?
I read 4:13
